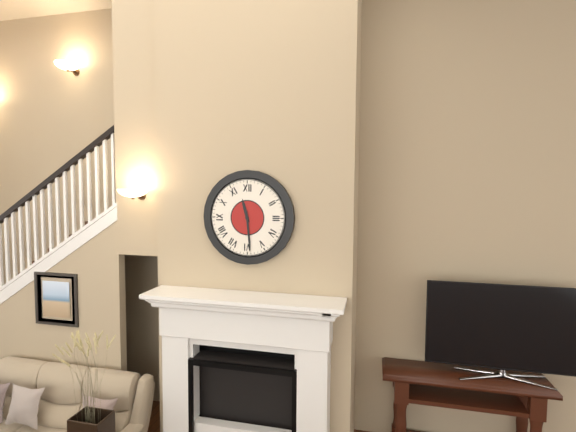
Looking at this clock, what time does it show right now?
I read 11:29
